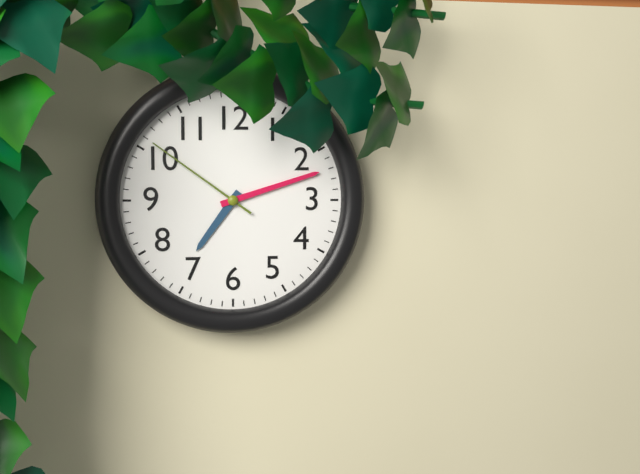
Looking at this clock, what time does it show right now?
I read 7:12:51
